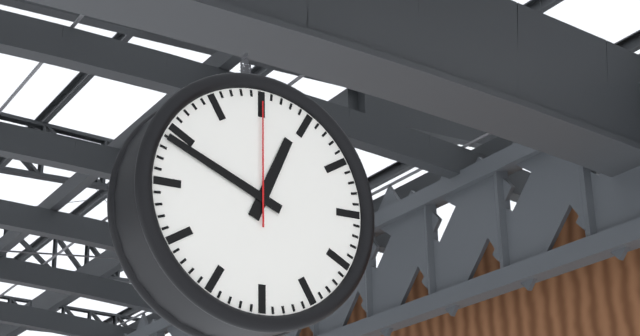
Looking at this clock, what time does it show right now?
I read 12:49:00
